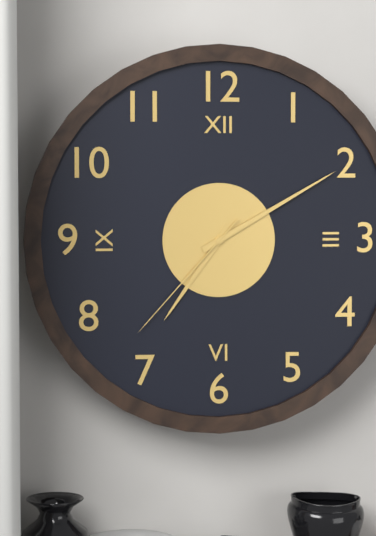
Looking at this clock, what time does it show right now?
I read 7:10:37
